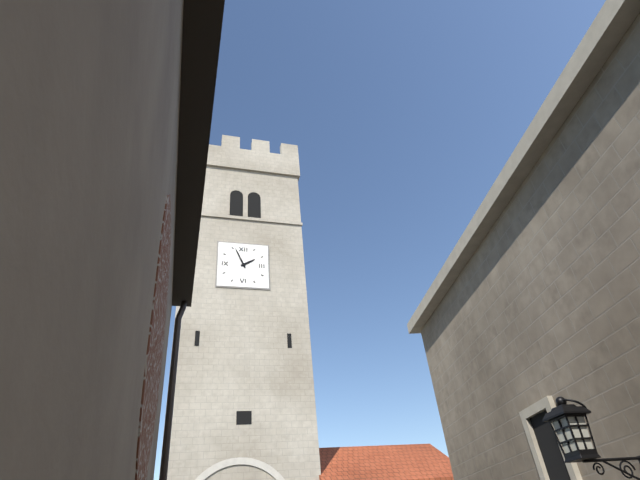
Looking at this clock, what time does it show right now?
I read 1:56
